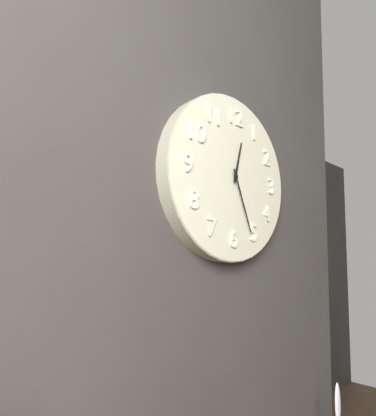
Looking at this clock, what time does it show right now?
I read 12:26
